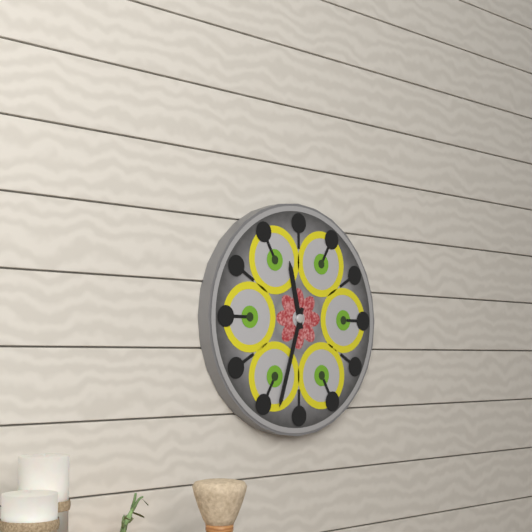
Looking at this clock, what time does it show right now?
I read 11:33
